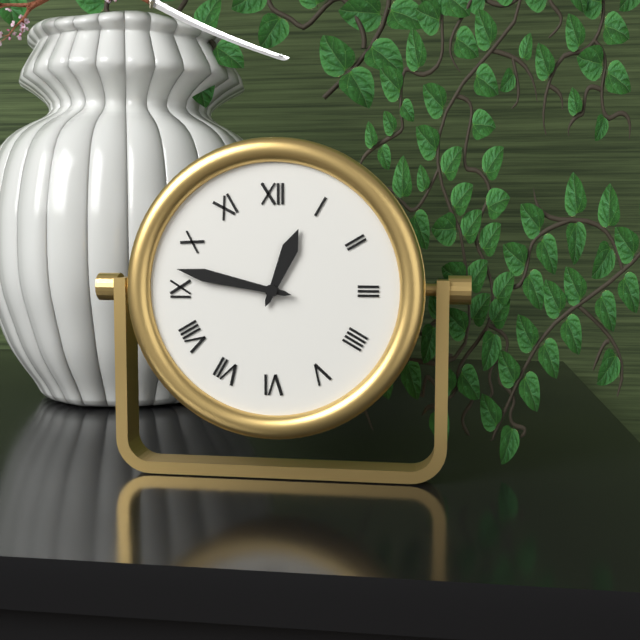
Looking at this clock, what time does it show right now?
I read 12:47
